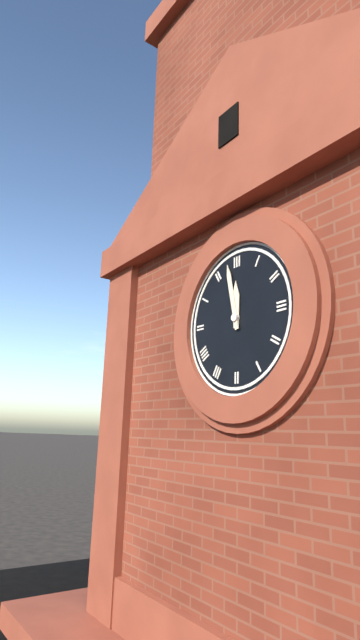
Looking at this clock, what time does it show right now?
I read 11:58
